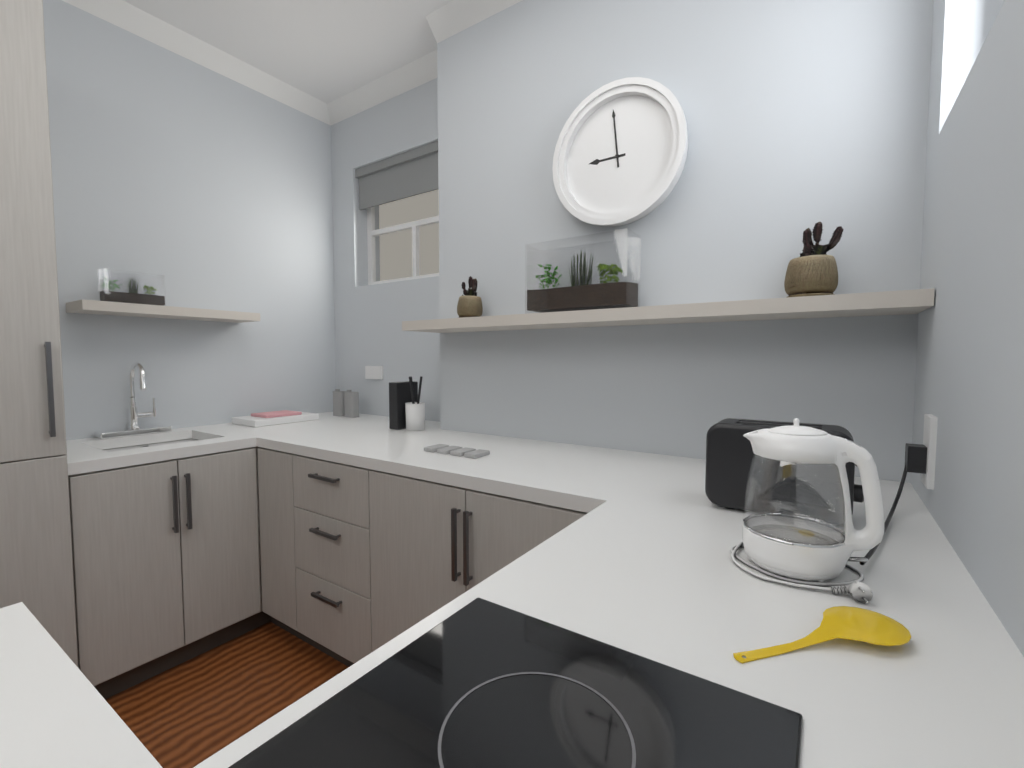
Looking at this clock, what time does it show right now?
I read 8:59
